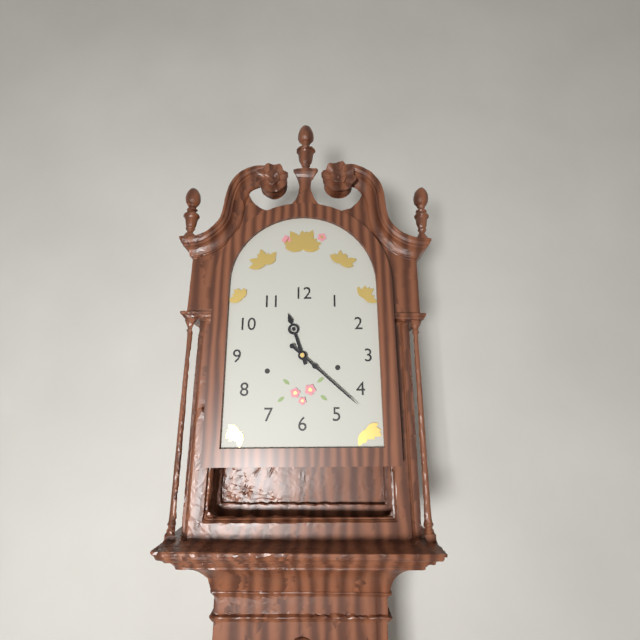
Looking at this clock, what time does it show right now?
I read 11:22
